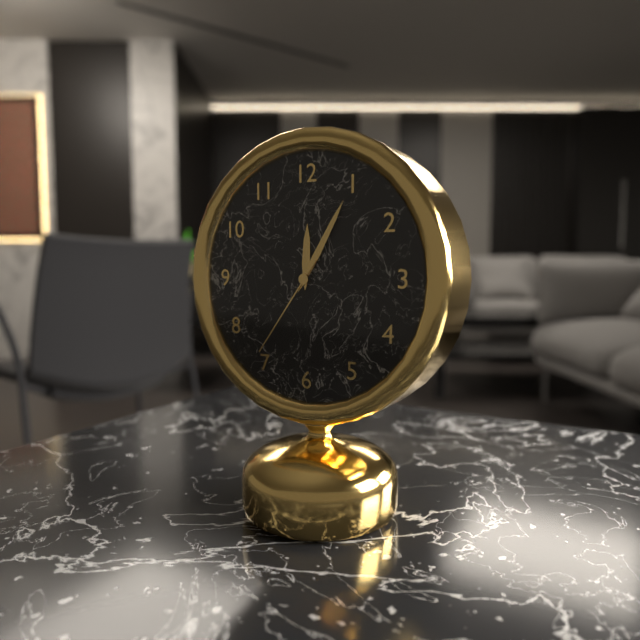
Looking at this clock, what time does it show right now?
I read 12:05:36
